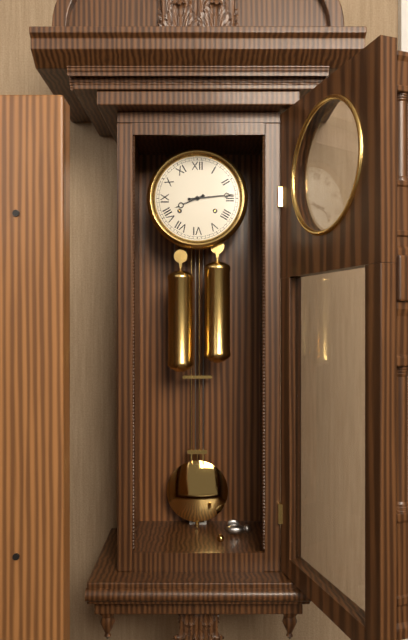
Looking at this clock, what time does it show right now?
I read 8:14
